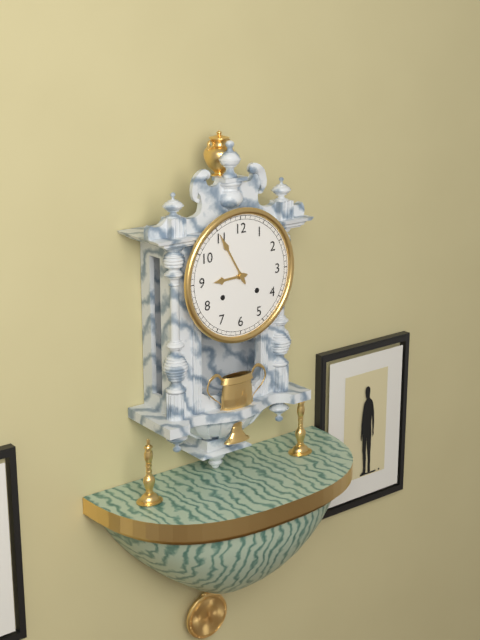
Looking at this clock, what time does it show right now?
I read 8:55
